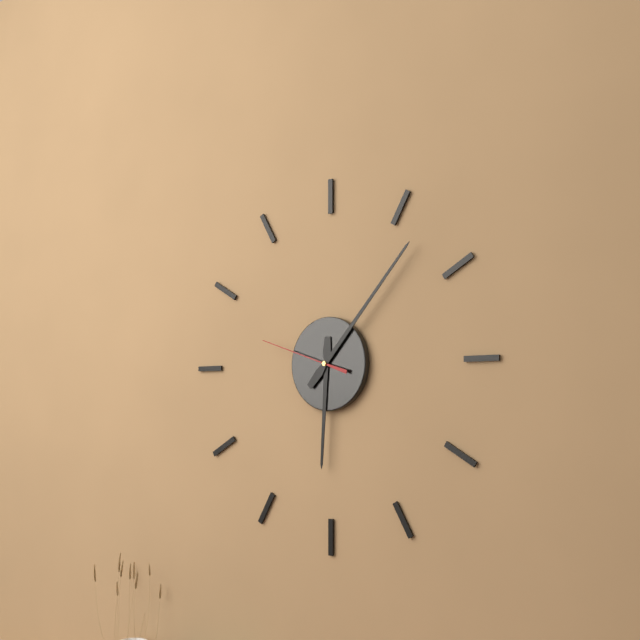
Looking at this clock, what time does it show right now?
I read 6:07:48
